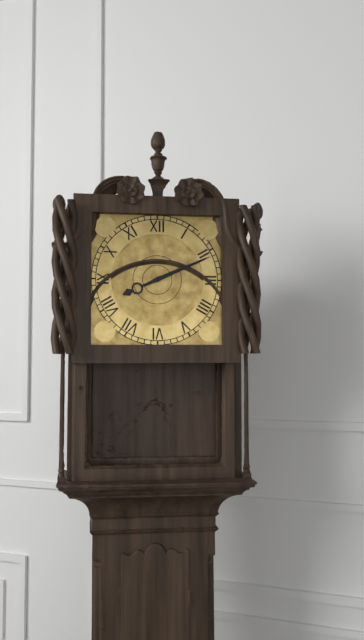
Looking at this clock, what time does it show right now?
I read 8:11
